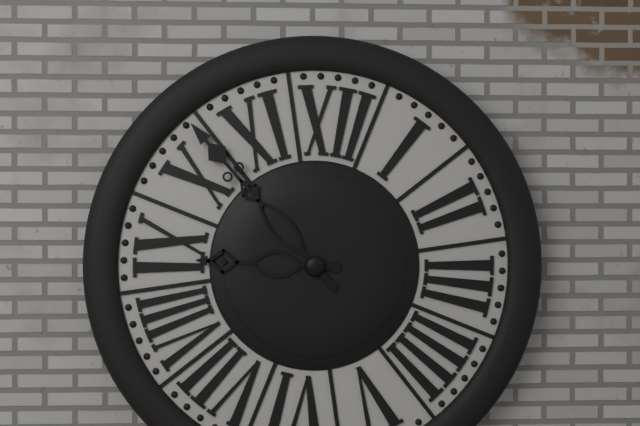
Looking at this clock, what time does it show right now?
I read 8:52
